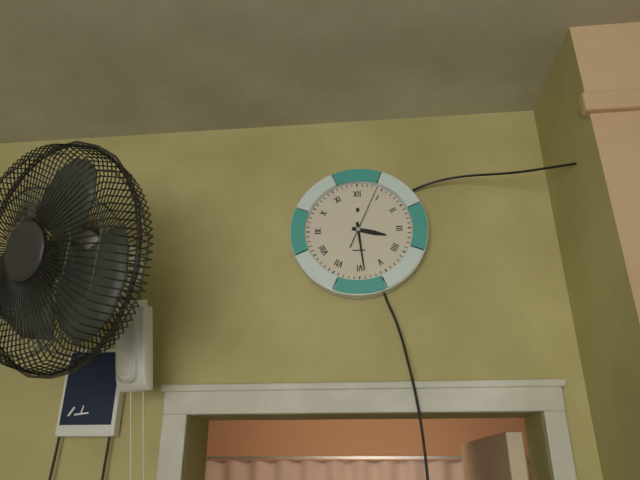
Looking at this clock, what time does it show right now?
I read 3:29:04
